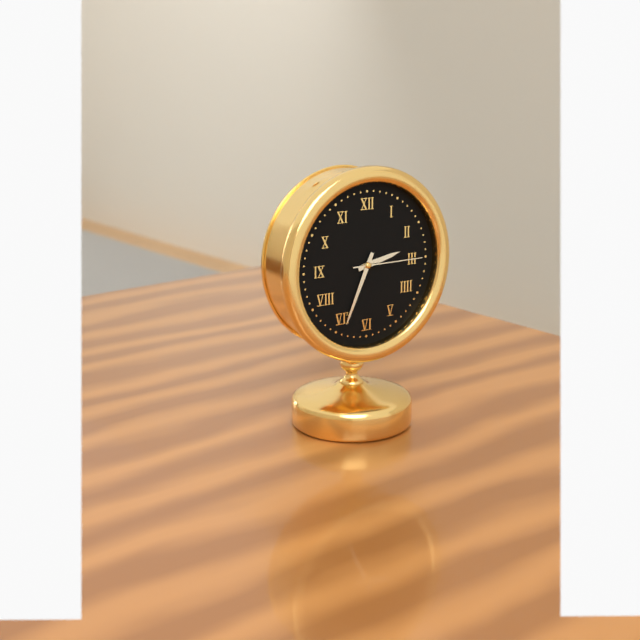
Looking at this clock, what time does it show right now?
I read 2:34:15
